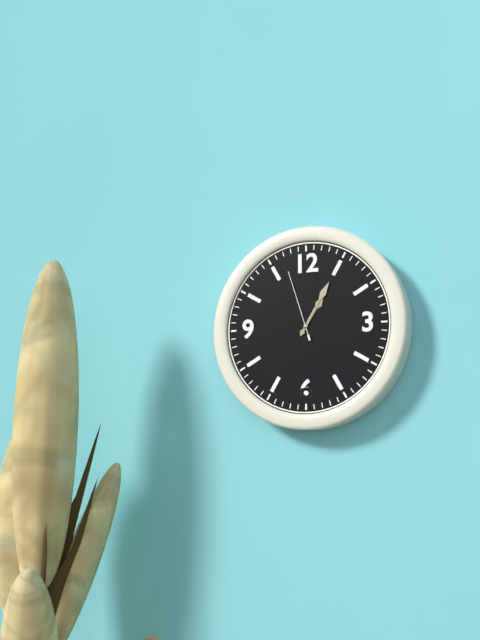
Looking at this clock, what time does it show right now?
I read 1:05:57
